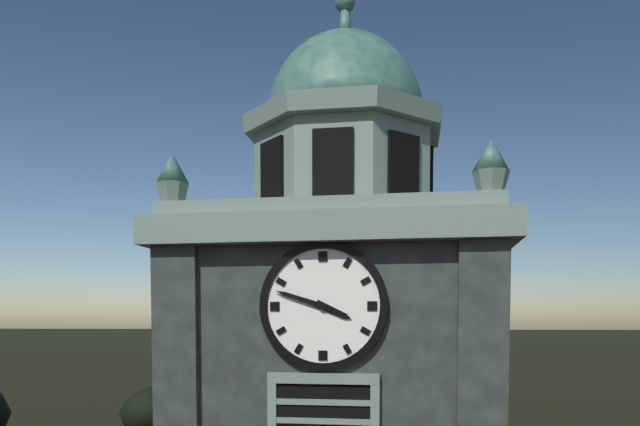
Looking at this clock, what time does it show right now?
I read 3:48
